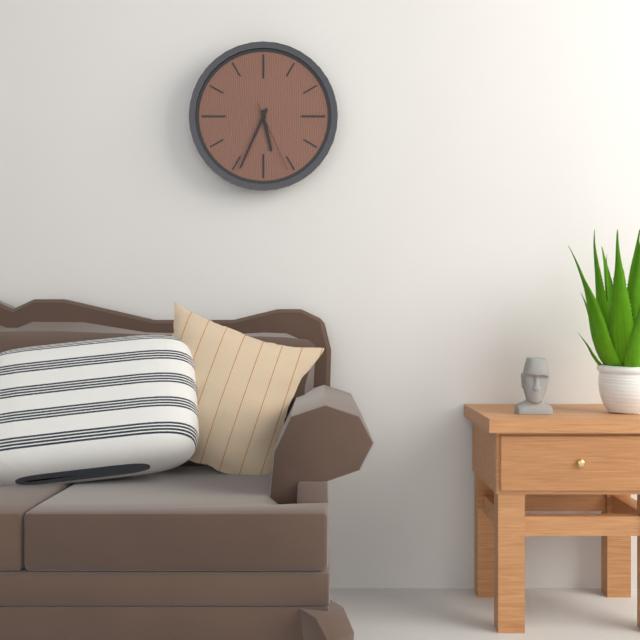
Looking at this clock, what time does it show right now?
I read 5:34:26
